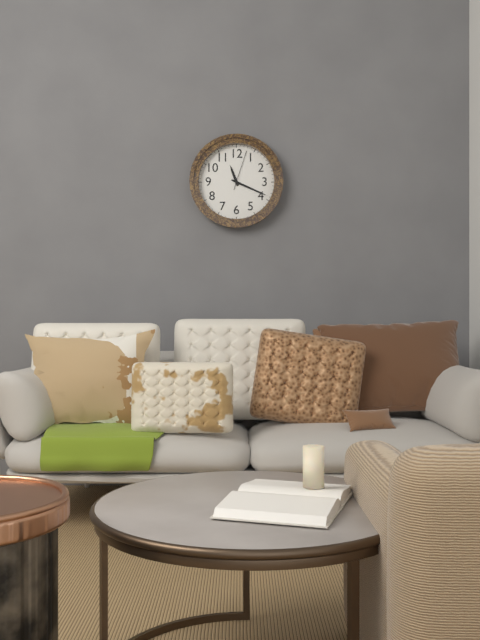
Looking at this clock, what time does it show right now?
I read 11:19
